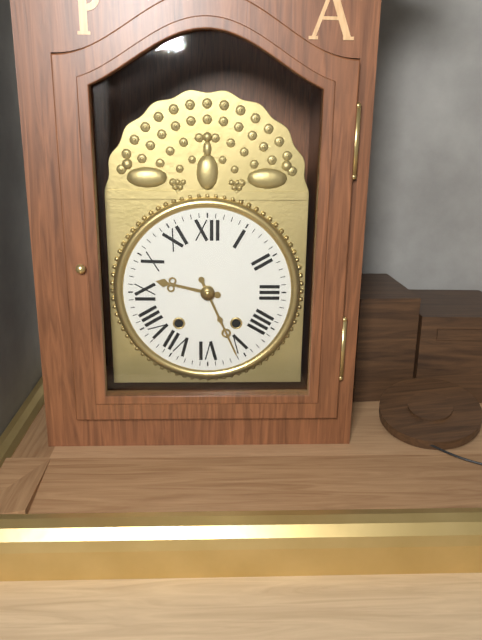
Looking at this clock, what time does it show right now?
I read 9:26
